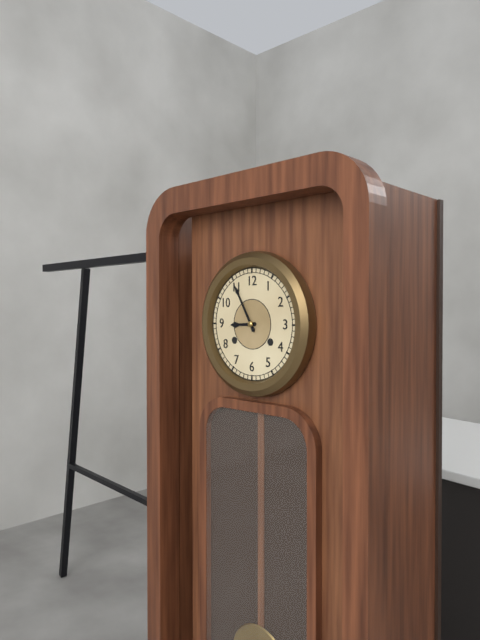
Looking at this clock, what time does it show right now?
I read 8:55
